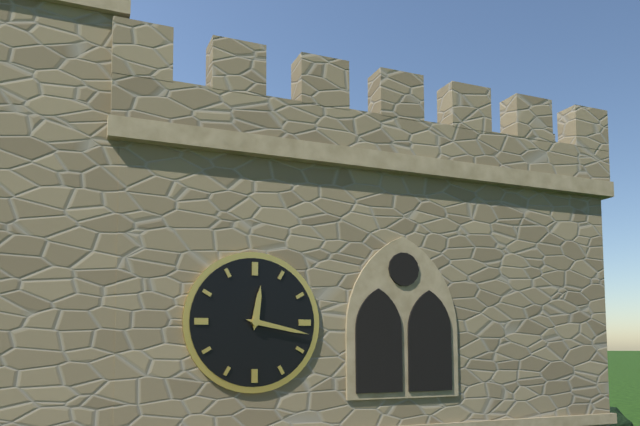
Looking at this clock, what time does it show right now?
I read 12:17
